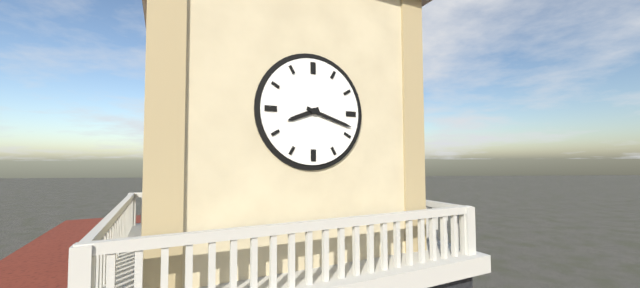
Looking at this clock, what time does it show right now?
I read 8:18
